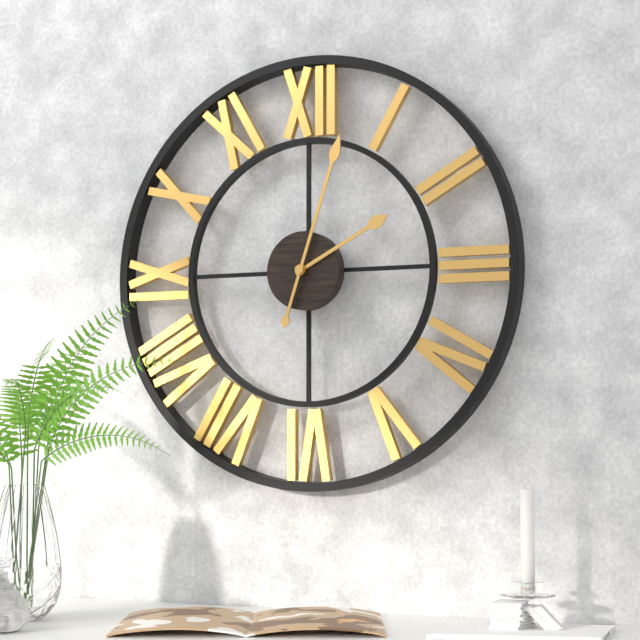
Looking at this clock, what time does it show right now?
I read 2:03
